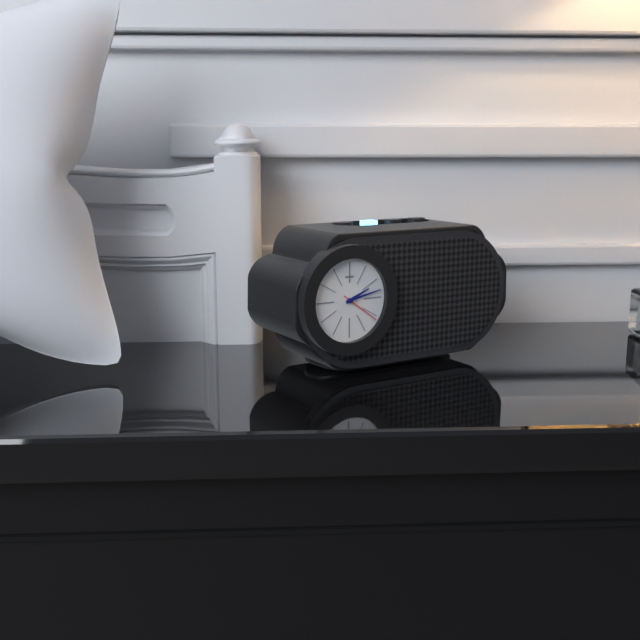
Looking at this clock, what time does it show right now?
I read 2:13:21
